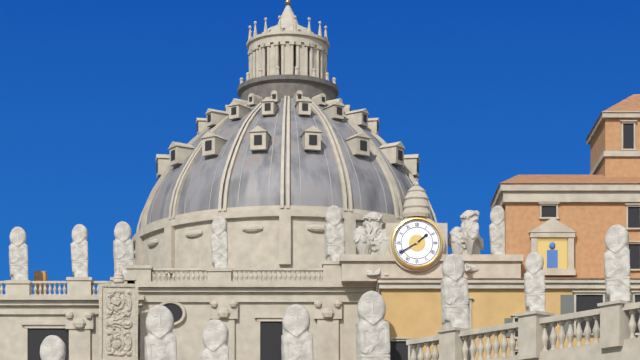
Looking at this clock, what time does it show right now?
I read 1:40
